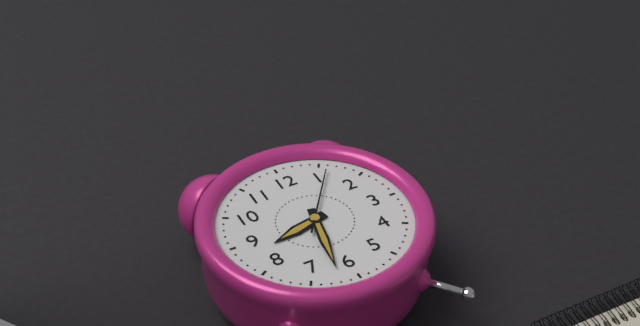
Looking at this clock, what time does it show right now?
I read 8:32:06
